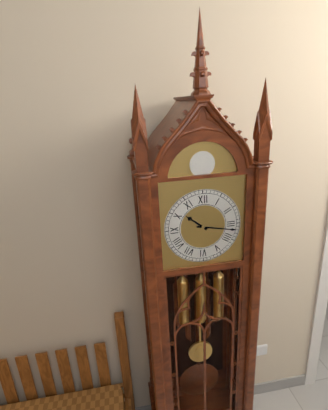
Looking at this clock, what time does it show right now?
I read 10:17
